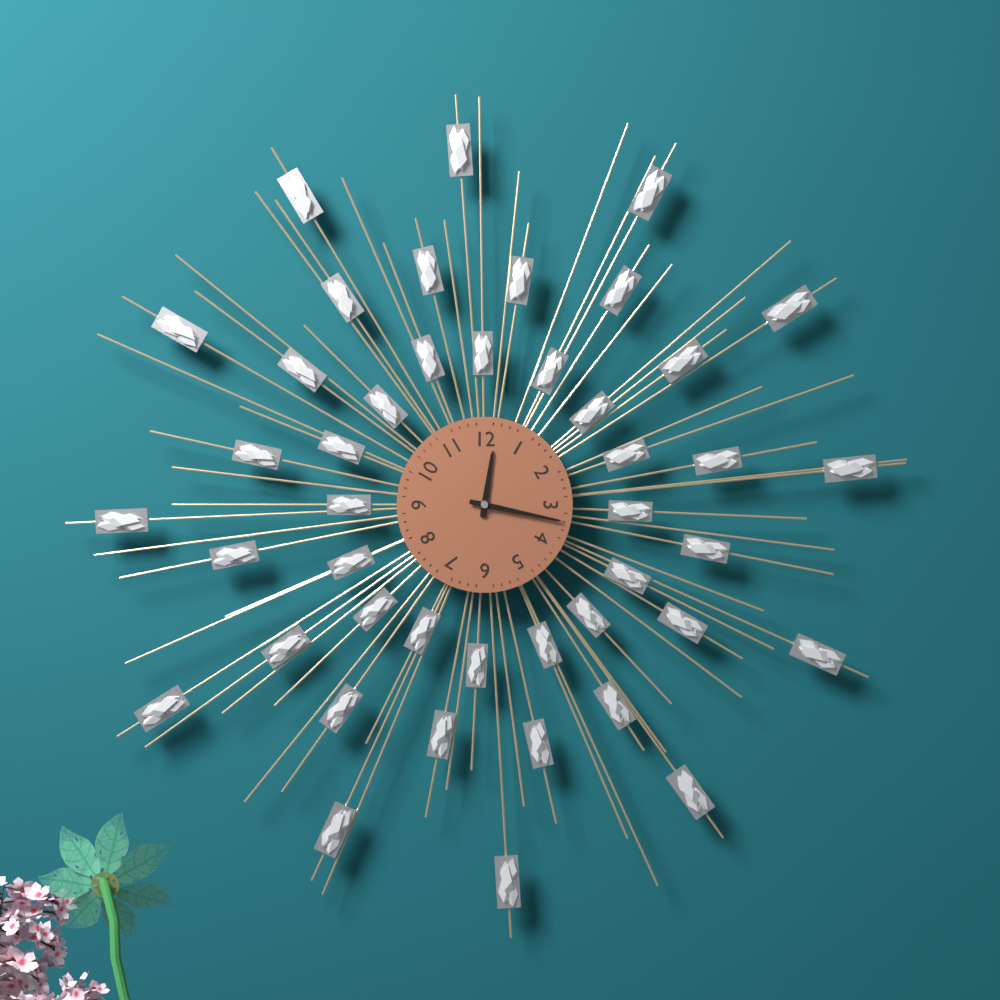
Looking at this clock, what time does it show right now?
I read 12:17
